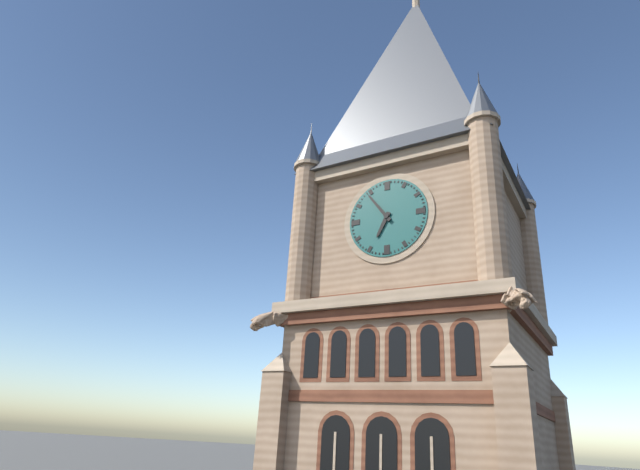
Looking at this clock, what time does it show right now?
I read 6:54
